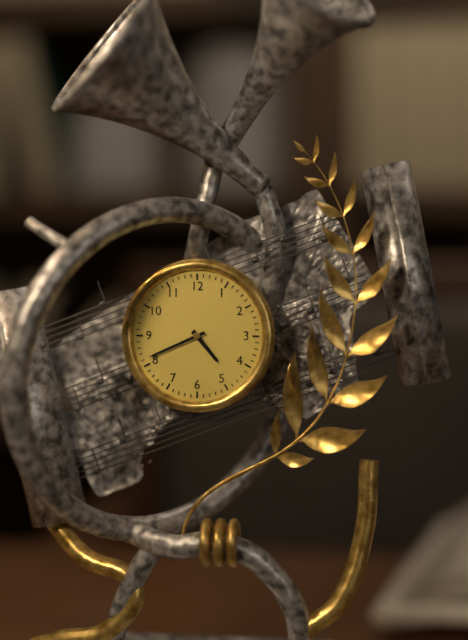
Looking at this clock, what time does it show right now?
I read 4:41
